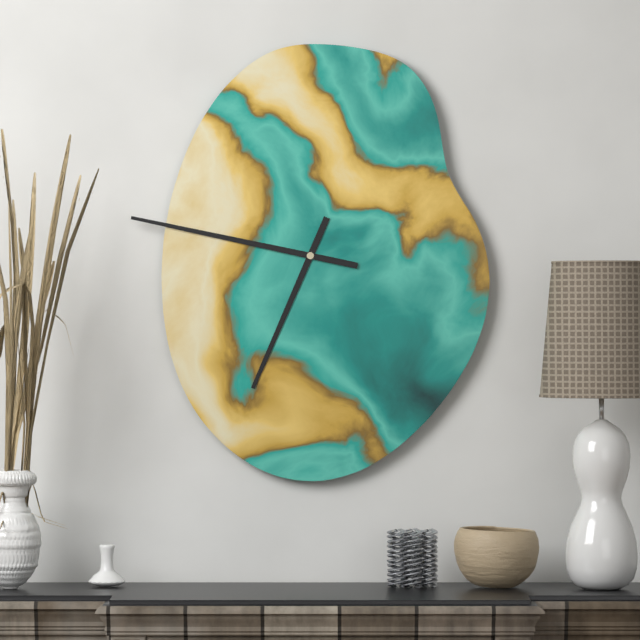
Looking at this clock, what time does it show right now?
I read 6:47
